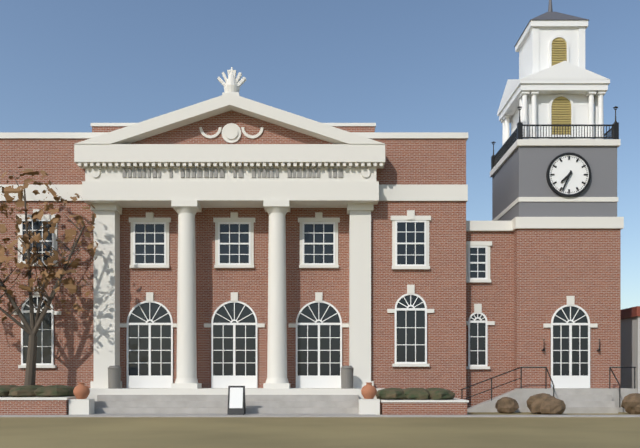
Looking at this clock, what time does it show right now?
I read 7:34
